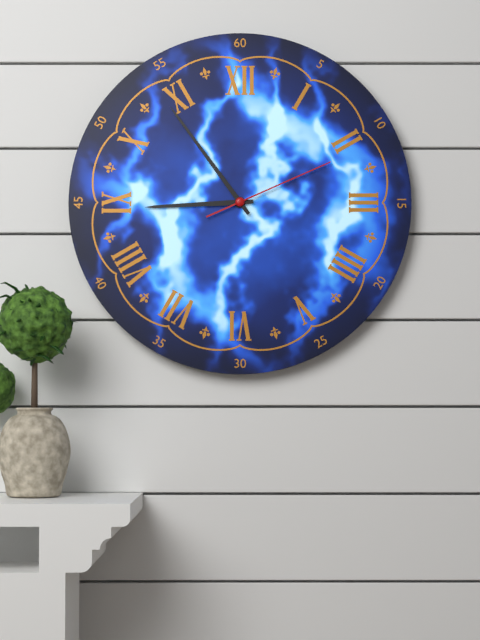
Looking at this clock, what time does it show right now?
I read 8:54:11
